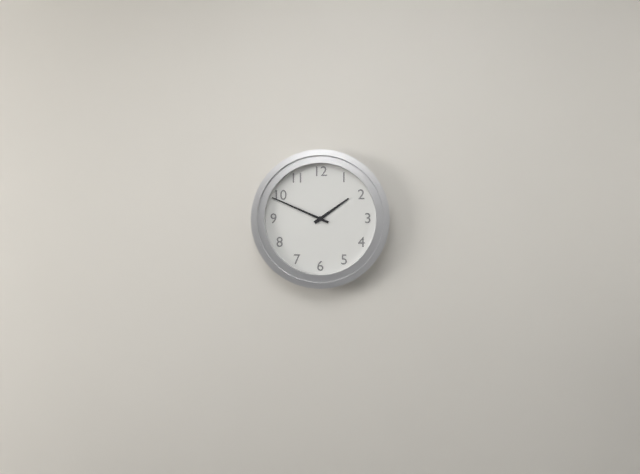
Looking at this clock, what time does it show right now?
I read 1:49
